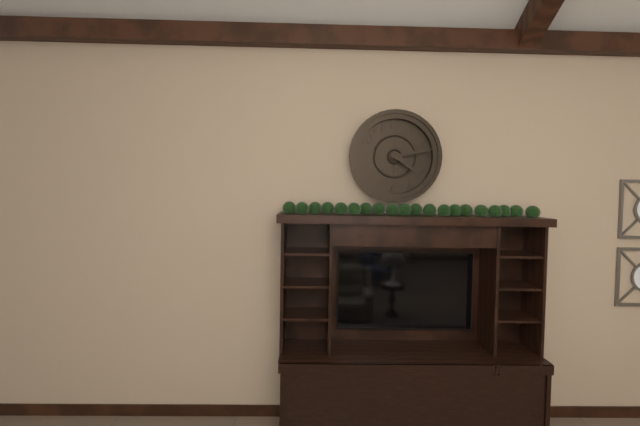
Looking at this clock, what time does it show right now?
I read 4:13
